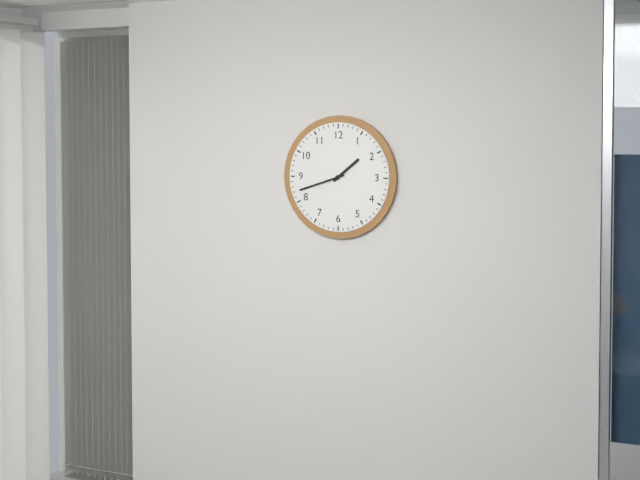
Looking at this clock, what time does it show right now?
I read 1:42
